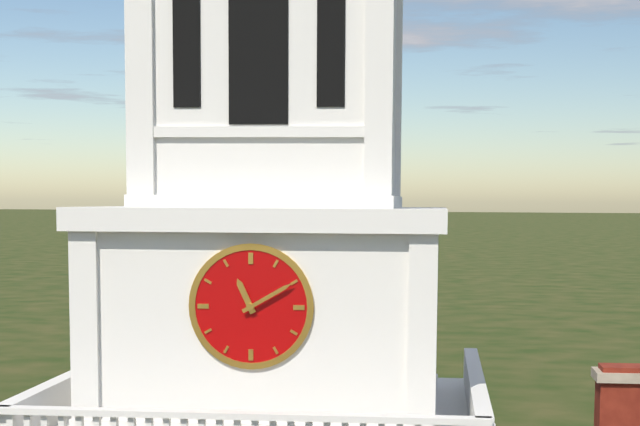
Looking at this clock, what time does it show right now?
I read 11:10
